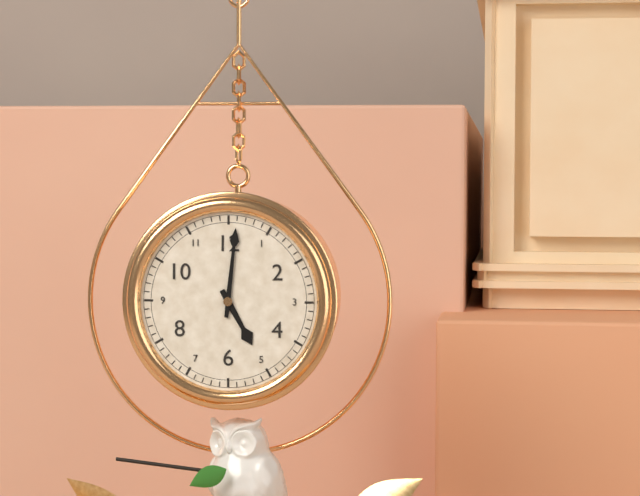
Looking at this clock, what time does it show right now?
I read 5:01
